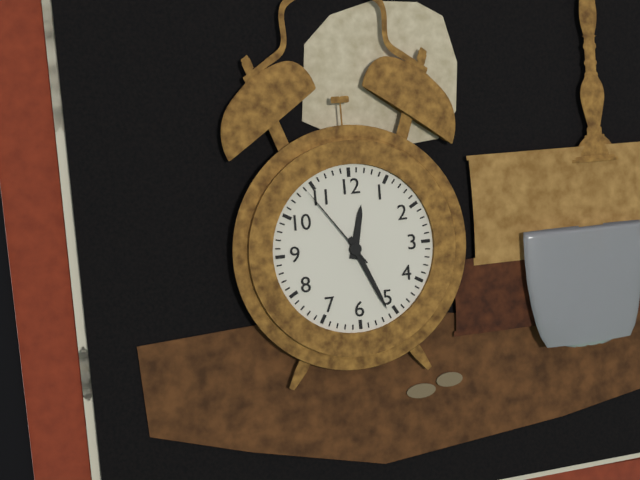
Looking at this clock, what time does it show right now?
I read 12:26:54
